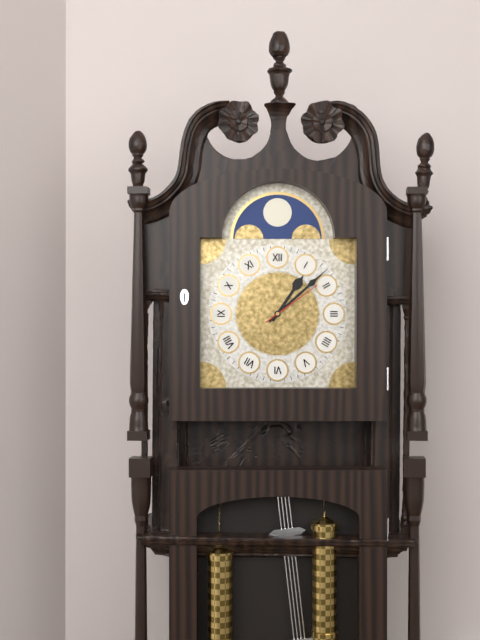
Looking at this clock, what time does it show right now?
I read 1:08:09
